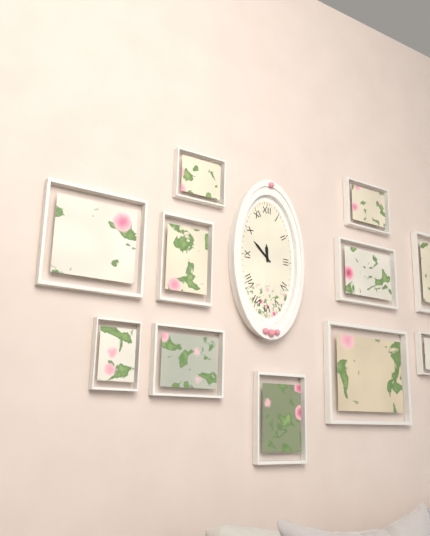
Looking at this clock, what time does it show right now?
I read 11:52
